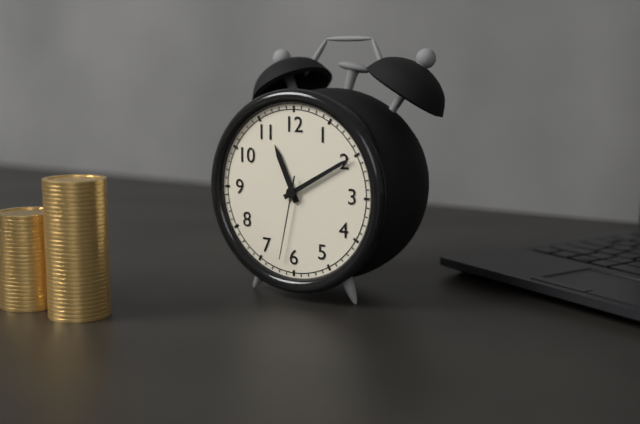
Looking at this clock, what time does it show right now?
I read 11:10:32
